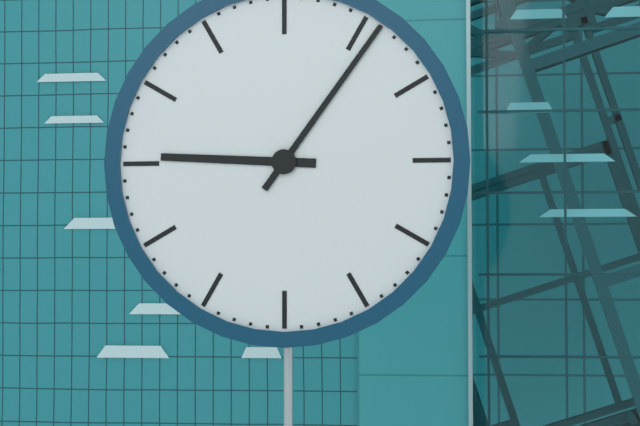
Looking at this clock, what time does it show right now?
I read 9:06
